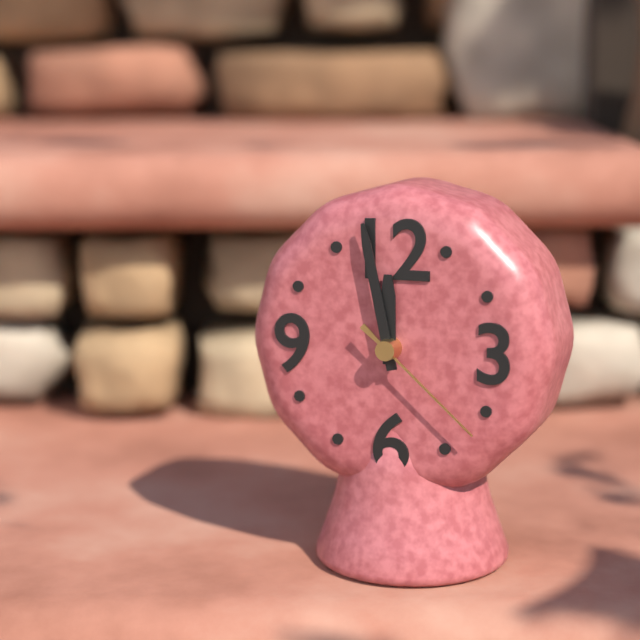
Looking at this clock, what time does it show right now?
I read 11:58:22
